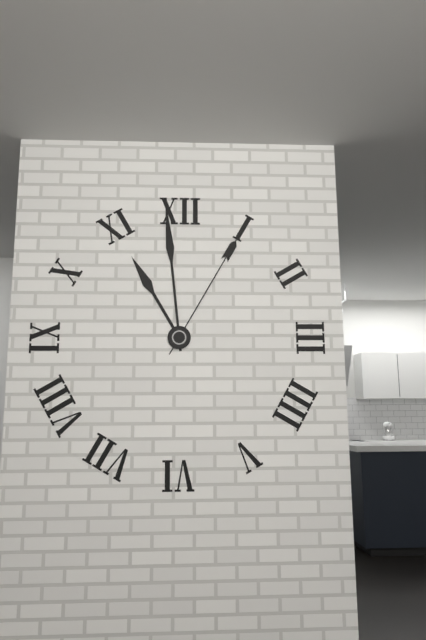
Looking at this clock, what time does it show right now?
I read 10:59:05
